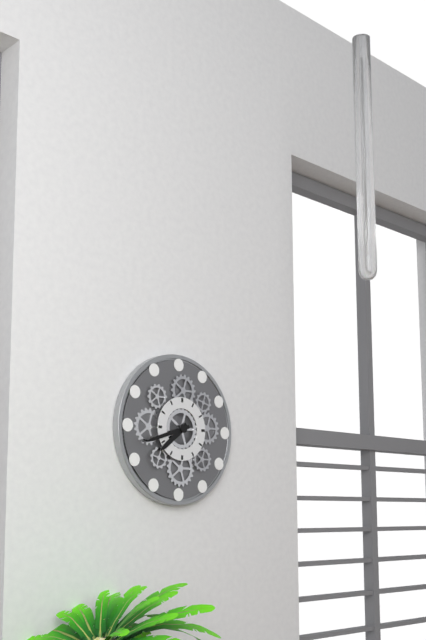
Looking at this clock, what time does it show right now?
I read 7:42
